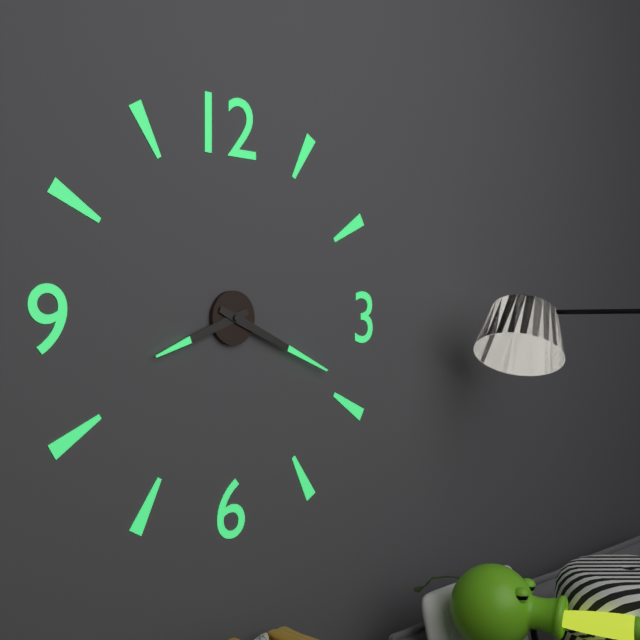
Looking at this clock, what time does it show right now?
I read 8:19
